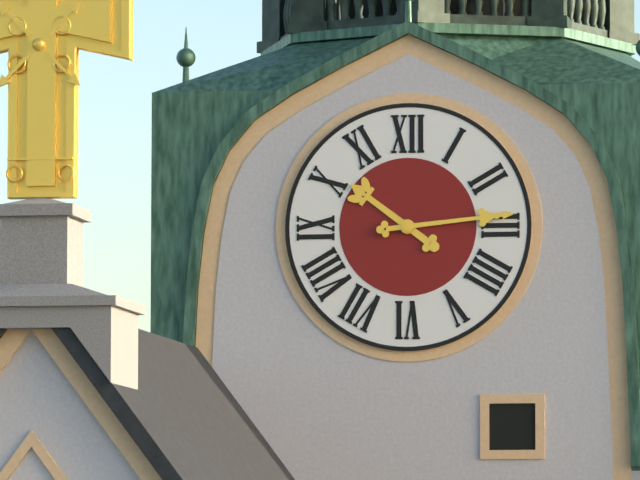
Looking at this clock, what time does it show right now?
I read 10:14
